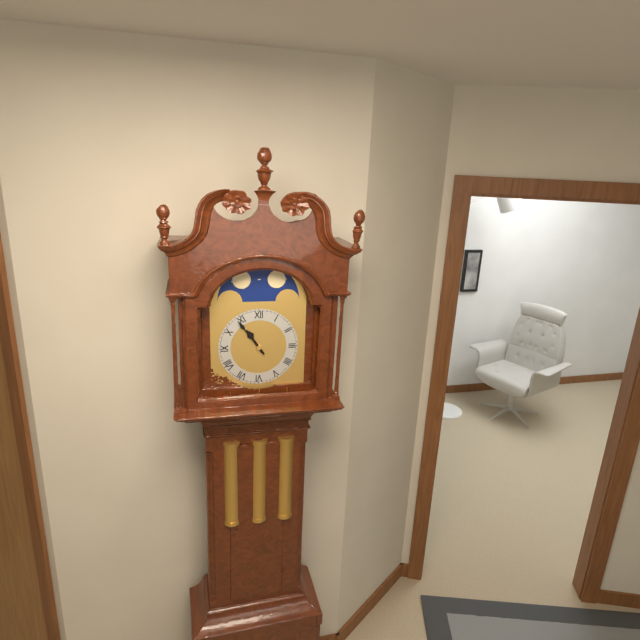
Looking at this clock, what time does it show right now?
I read 10:54
